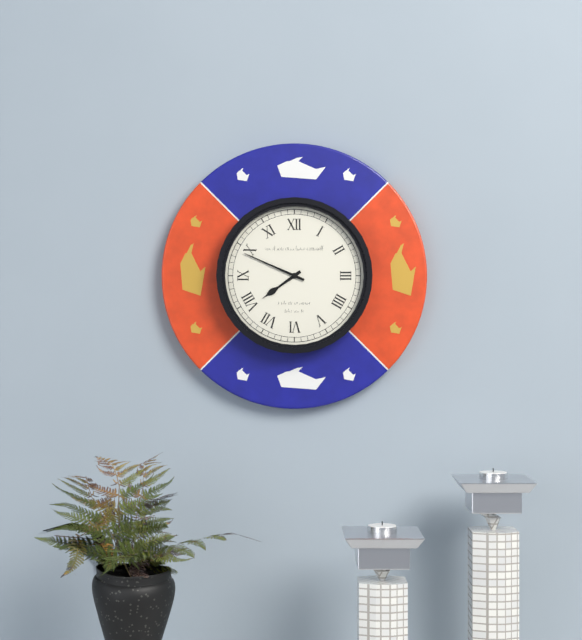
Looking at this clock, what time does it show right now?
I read 7:49
